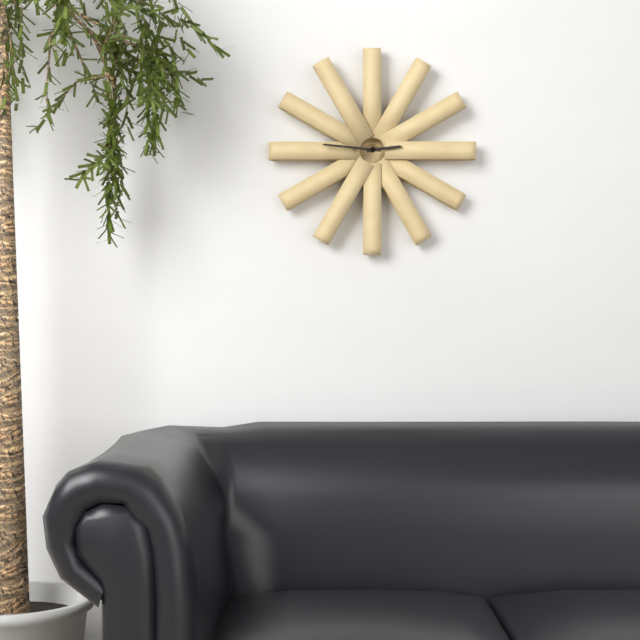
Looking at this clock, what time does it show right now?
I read 2:46
